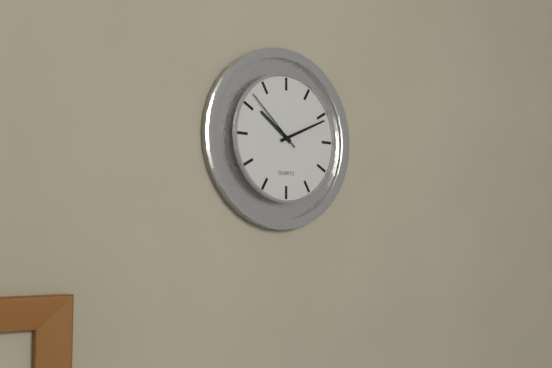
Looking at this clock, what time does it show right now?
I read 10:11:52
